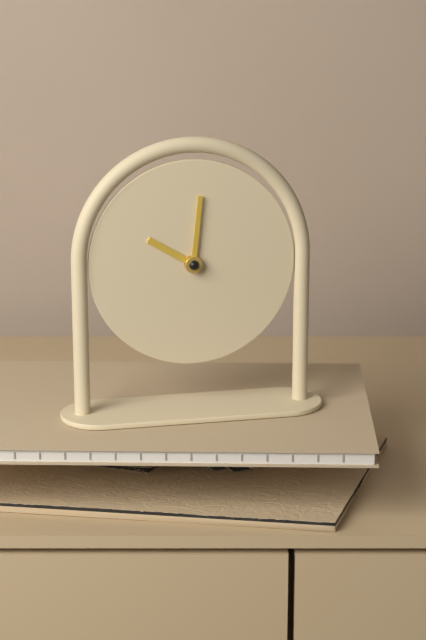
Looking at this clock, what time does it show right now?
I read 10:01
